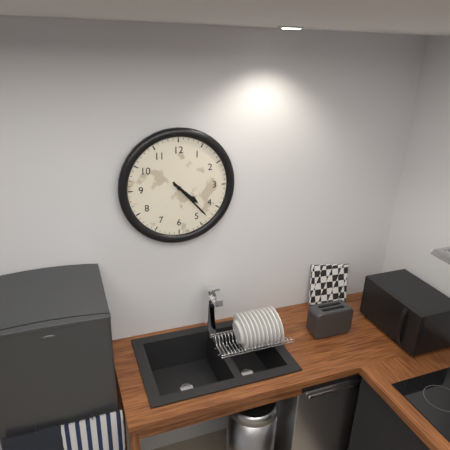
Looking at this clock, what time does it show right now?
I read 4:23
